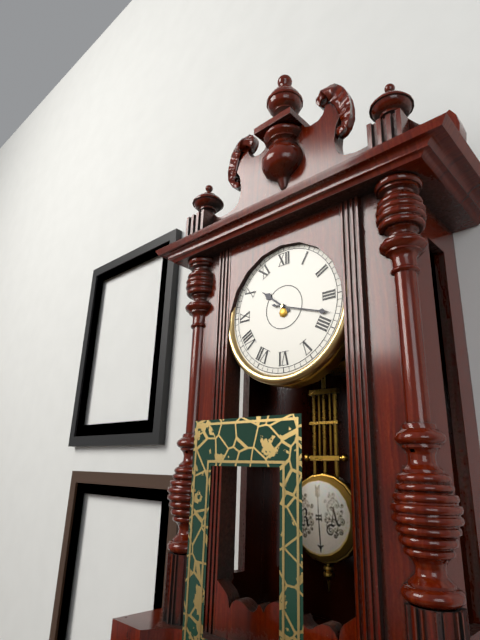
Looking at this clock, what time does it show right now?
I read 10:18
